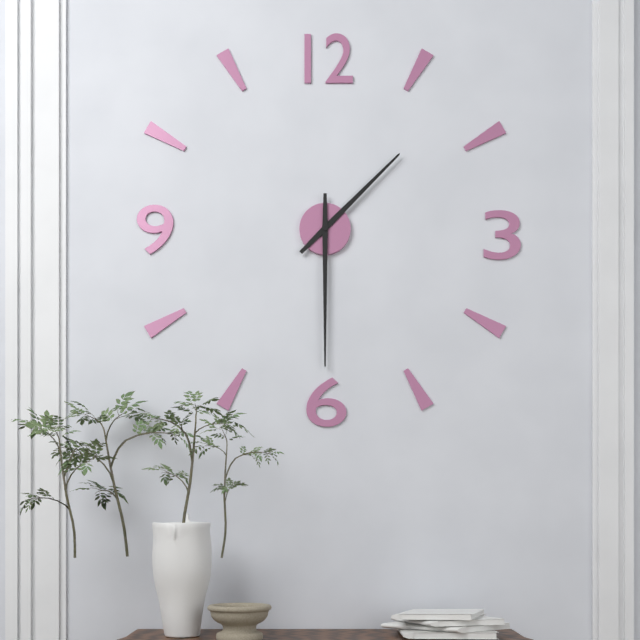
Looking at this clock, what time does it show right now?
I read 1:30
